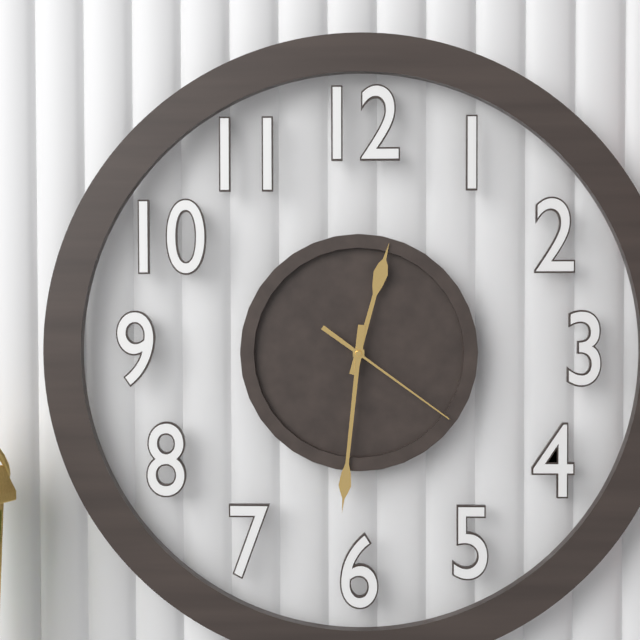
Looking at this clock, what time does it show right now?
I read 12:31:21
